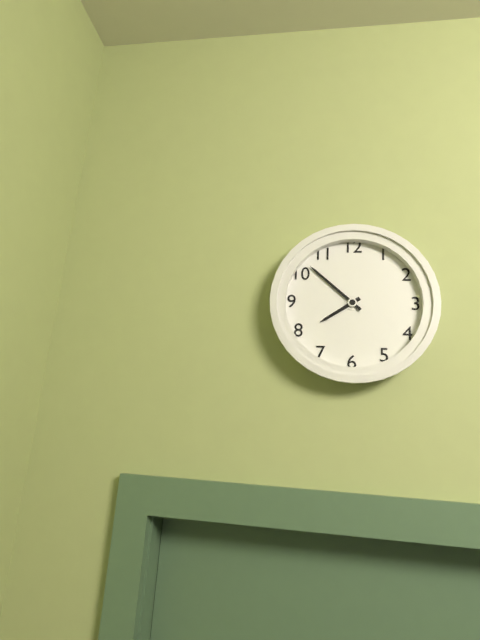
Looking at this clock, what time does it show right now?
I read 7:52
